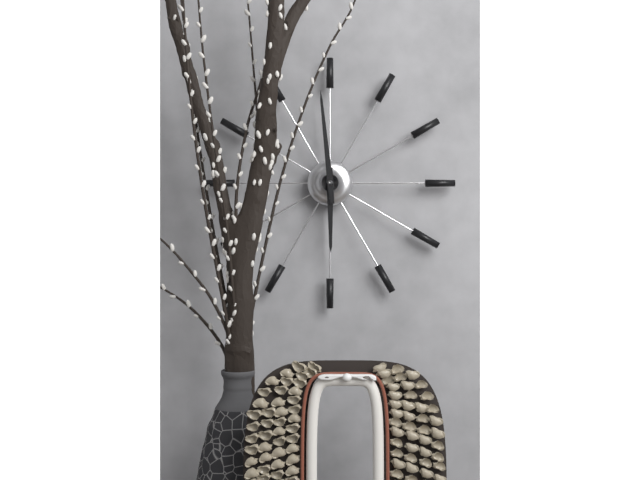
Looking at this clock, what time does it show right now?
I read 5:59
